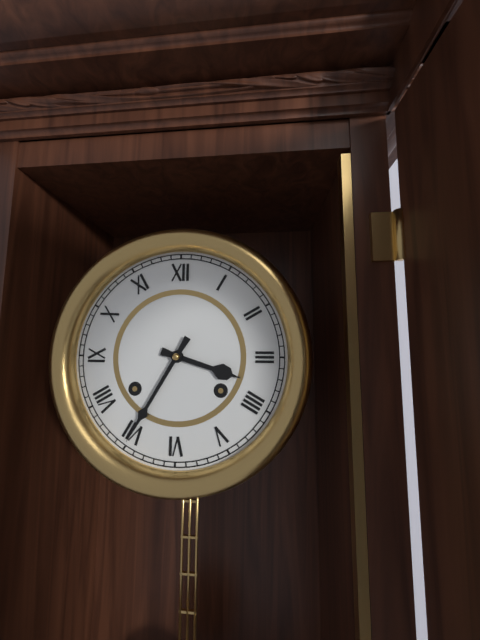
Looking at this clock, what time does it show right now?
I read 3:35
